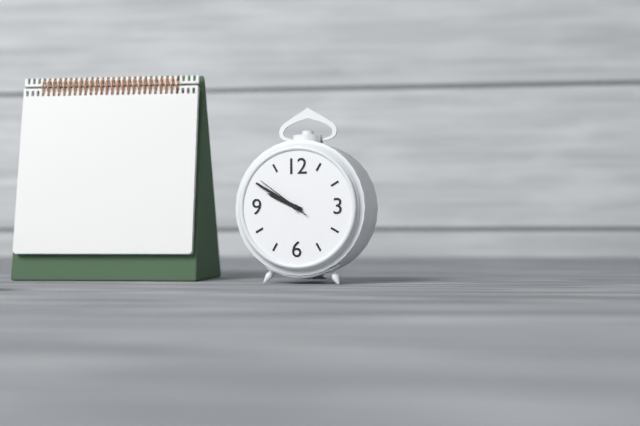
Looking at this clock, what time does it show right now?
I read 9:50:51
